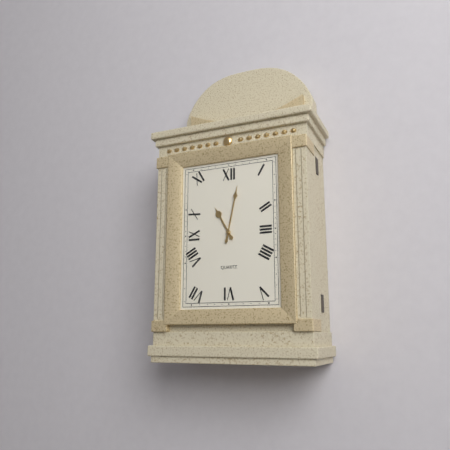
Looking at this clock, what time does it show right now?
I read 11:02
